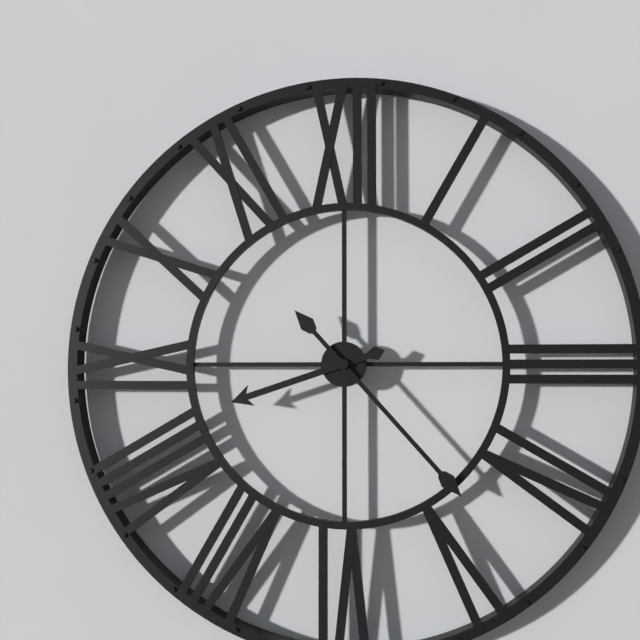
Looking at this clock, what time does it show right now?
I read 8:23
